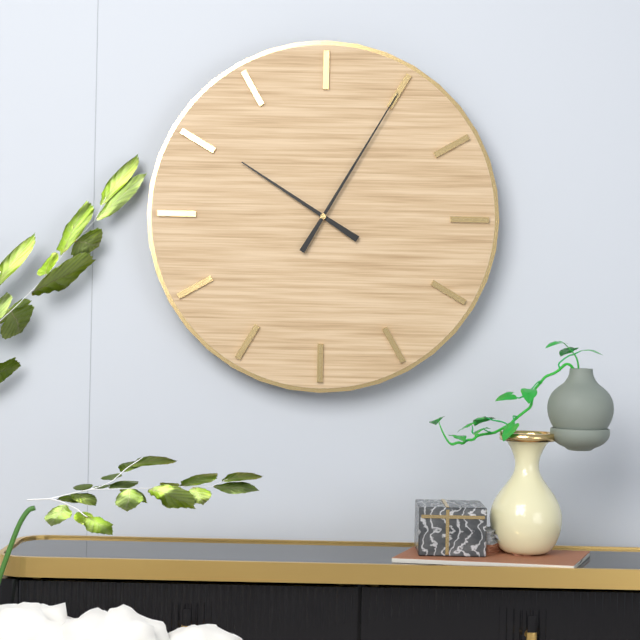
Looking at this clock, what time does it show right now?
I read 10:05
